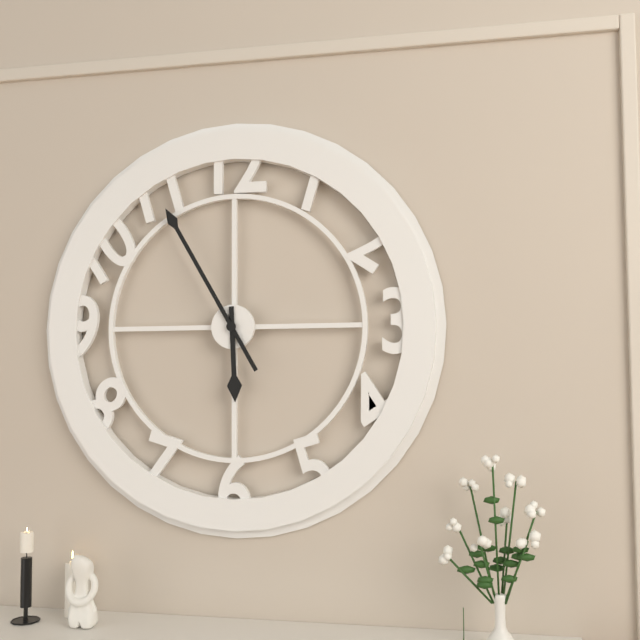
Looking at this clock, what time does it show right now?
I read 5:55
